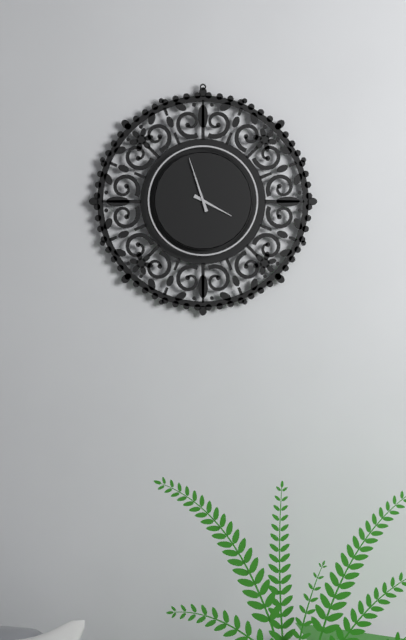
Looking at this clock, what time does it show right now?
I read 3:57
